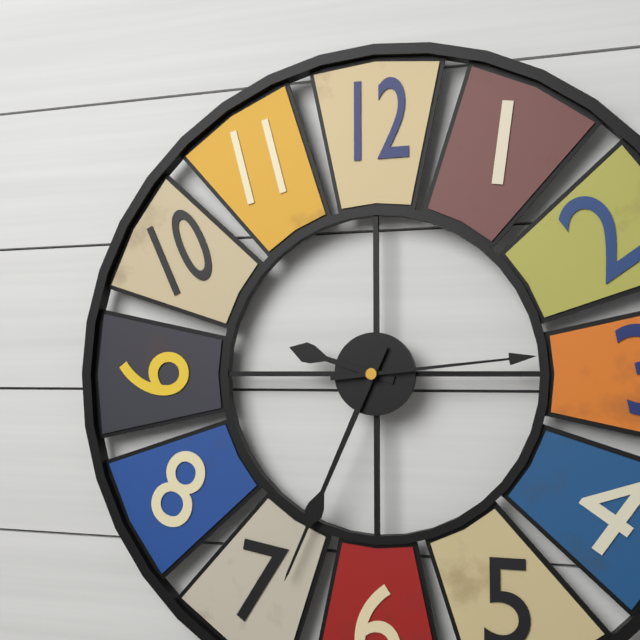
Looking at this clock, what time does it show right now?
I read 9:34:14
